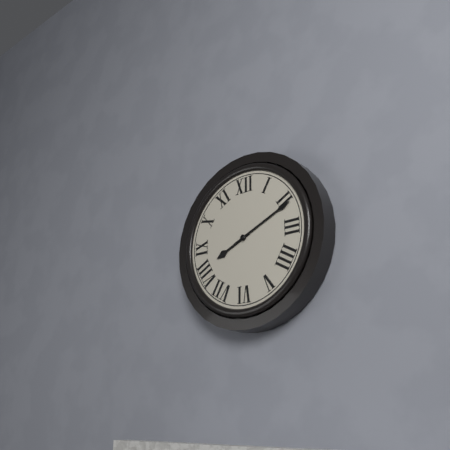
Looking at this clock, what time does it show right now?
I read 8:11
